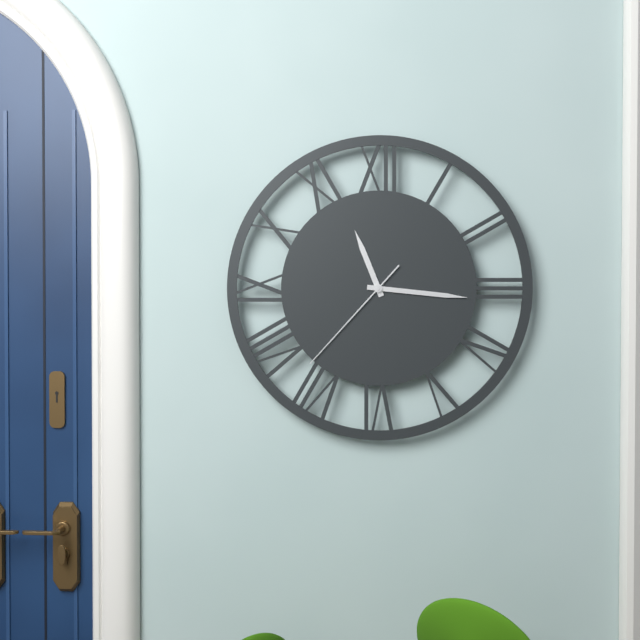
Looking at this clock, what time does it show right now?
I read 11:16:37
